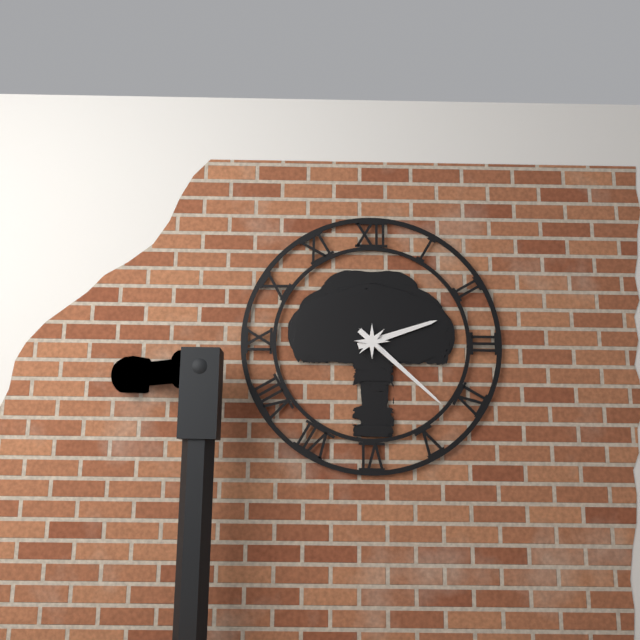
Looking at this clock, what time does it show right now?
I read 2:22
